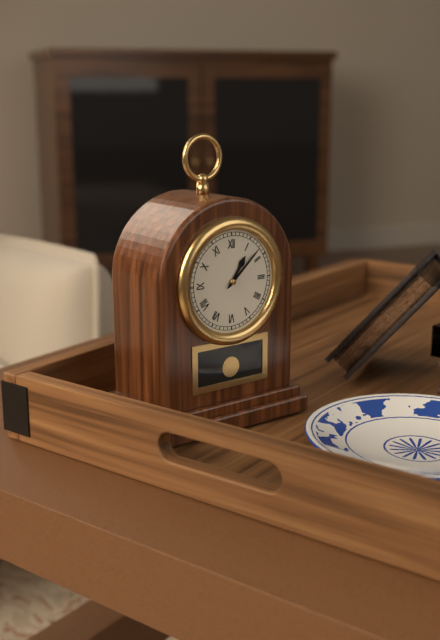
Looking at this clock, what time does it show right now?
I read 1:08
